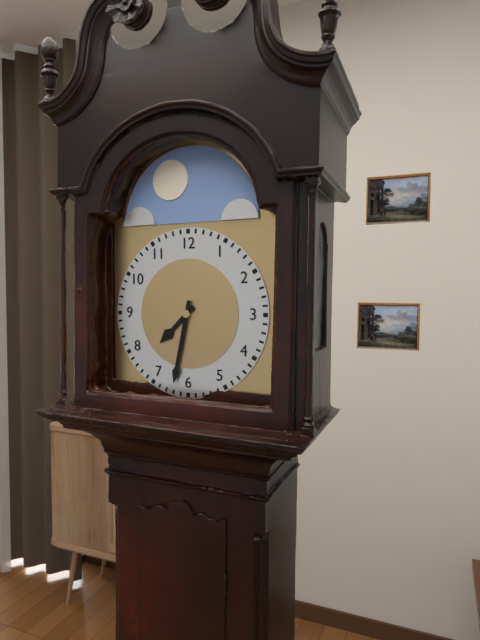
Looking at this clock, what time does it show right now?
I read 7:32
